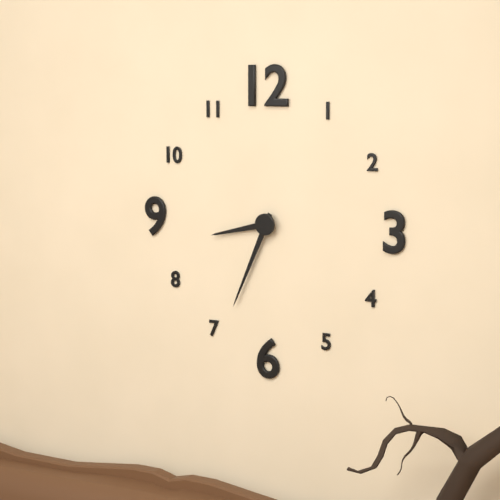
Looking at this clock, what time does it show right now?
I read 8:34
